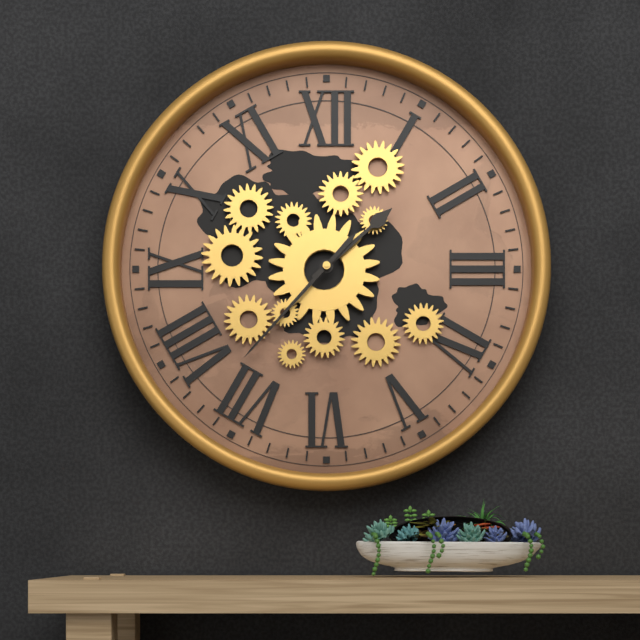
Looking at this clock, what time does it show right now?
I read 1:37
